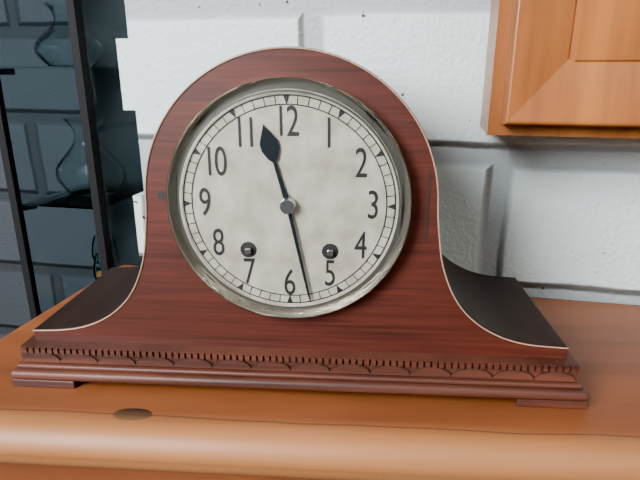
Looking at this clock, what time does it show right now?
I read 11:28
